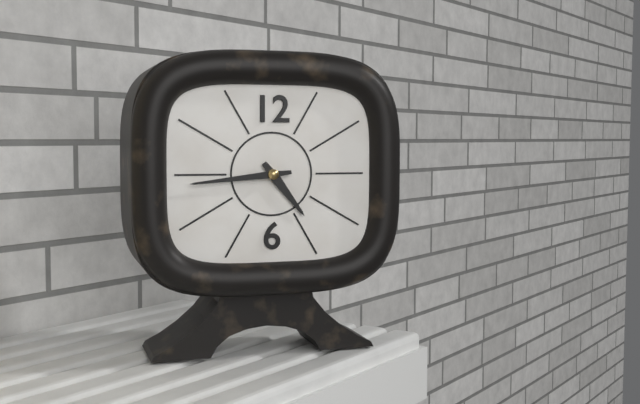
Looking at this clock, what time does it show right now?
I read 4:44
